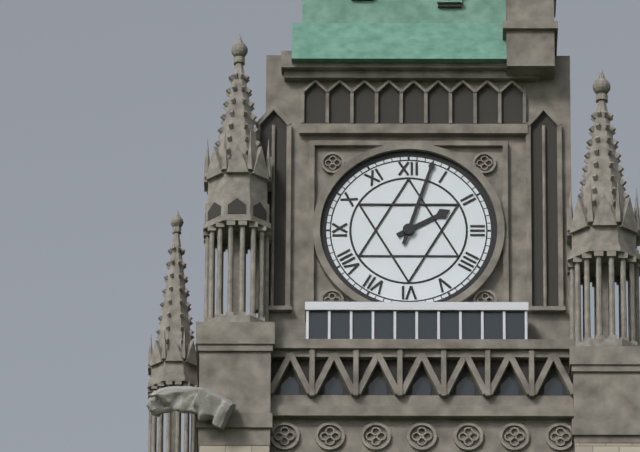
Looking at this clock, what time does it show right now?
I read 2:03
